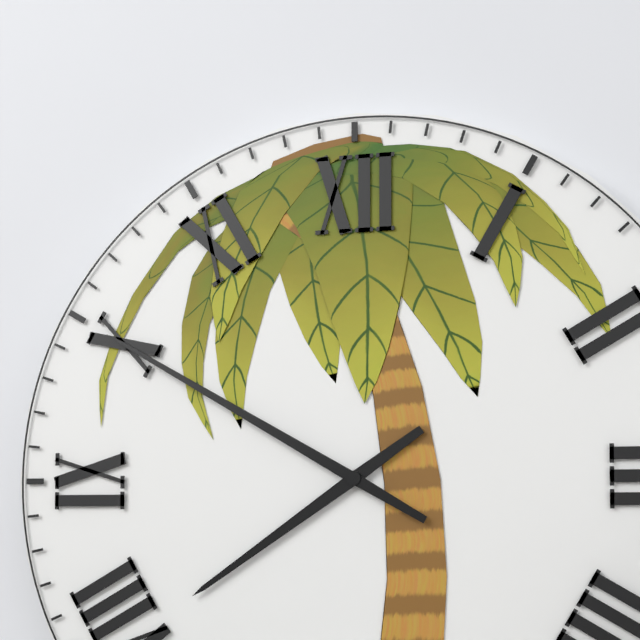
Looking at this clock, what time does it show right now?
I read 7:50
